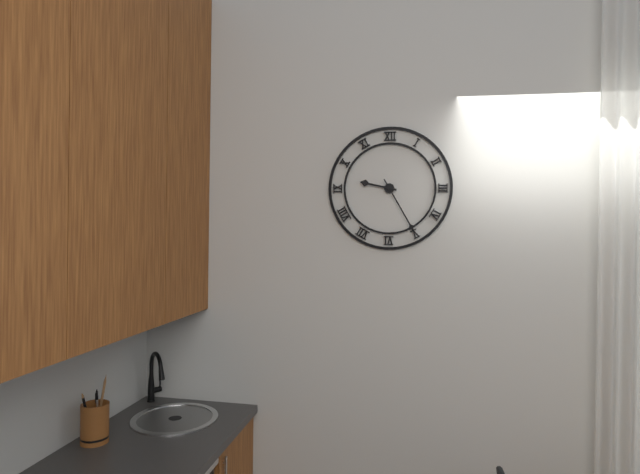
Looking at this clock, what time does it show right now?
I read 9:25
